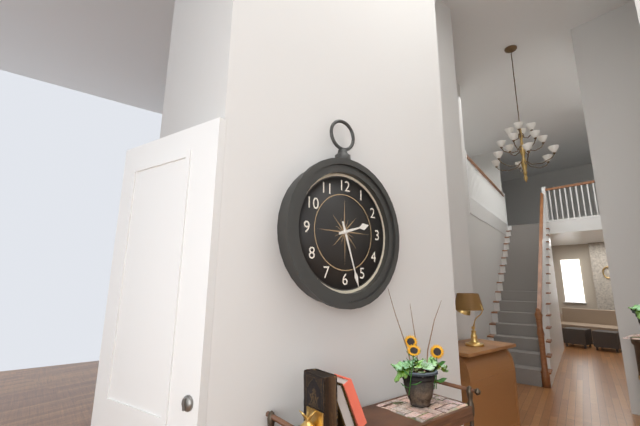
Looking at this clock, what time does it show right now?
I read 2:27
